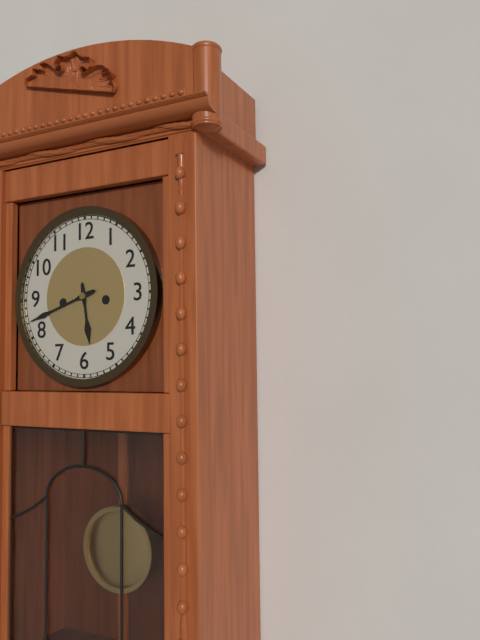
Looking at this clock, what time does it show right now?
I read 5:42
